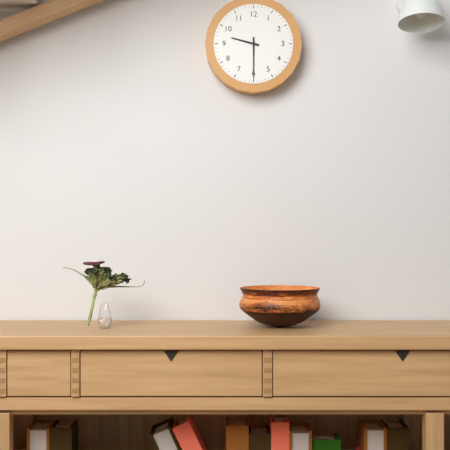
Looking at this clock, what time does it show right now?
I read 9:30
